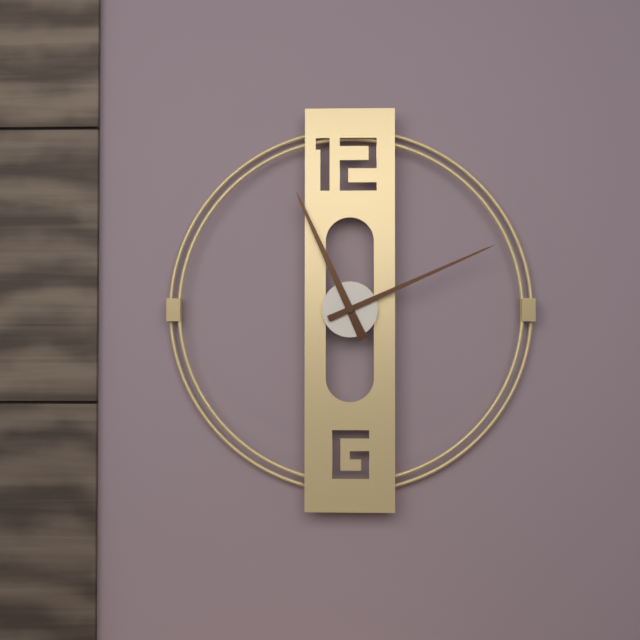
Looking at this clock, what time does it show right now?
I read 11:11
